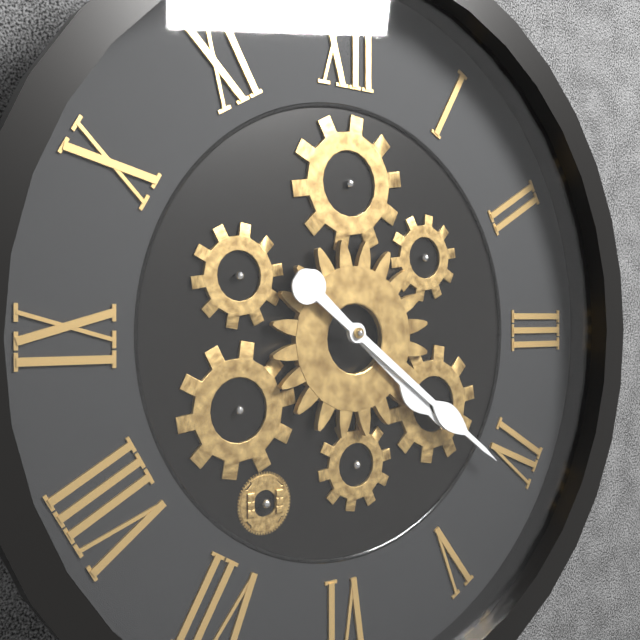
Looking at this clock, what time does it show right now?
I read 4:21
